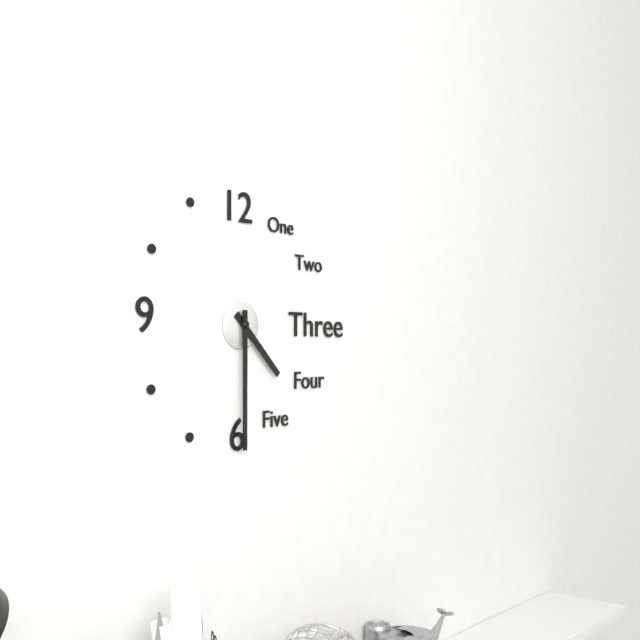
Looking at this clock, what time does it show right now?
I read 4:30
